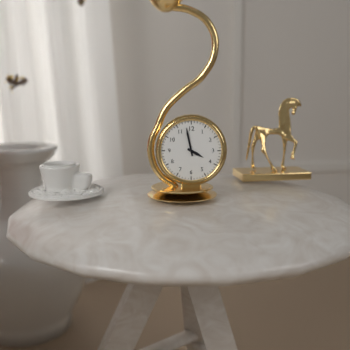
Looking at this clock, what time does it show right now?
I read 3:58
